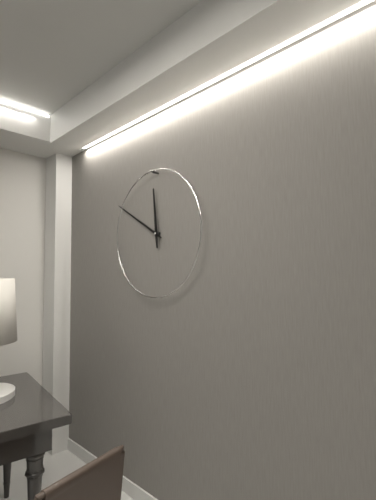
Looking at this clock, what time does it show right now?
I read 11:50
